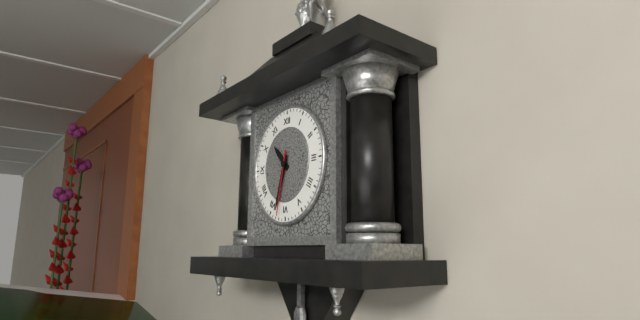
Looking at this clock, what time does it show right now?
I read 10:33:32
